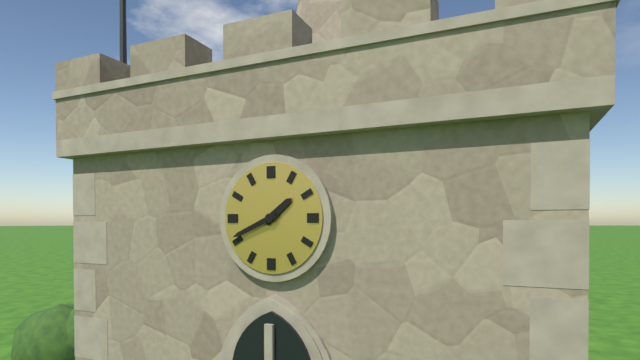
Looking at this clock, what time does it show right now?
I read 1:41
